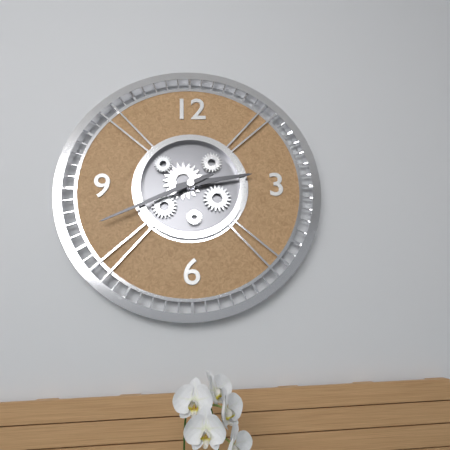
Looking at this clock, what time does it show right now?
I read 2:41
